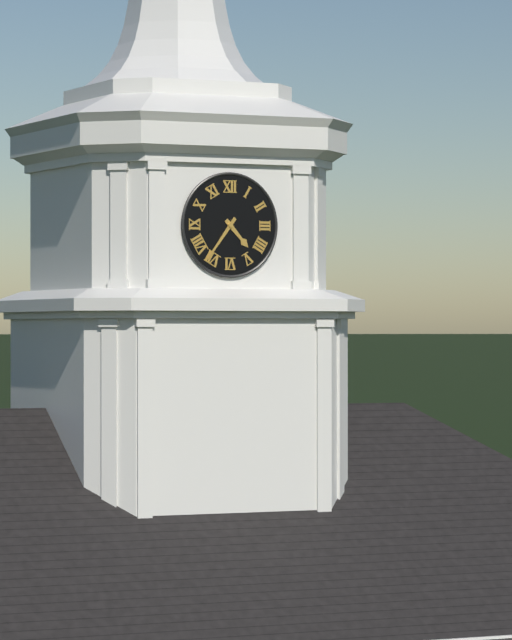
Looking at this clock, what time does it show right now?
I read 4:36
